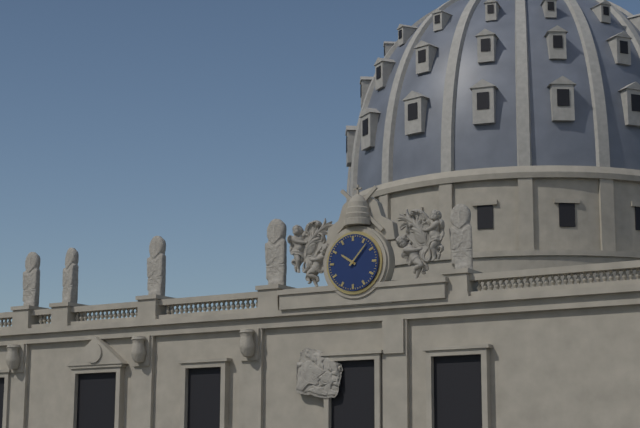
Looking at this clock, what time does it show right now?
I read 10:07
